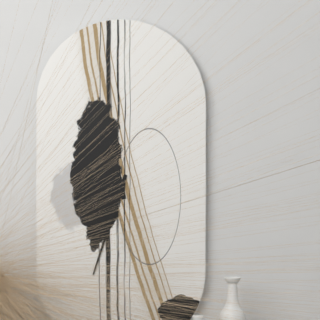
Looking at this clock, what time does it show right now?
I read 11:33
